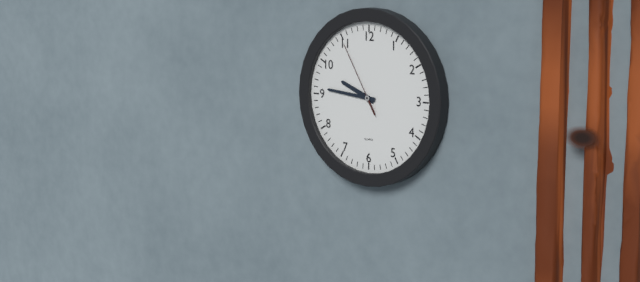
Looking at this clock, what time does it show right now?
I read 9:46:55
